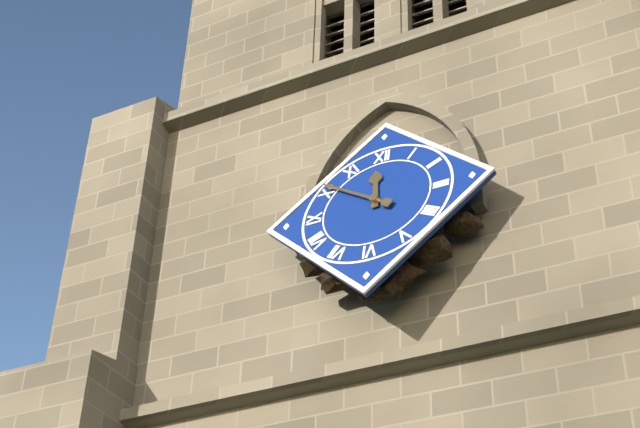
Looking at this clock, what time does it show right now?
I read 11:51
